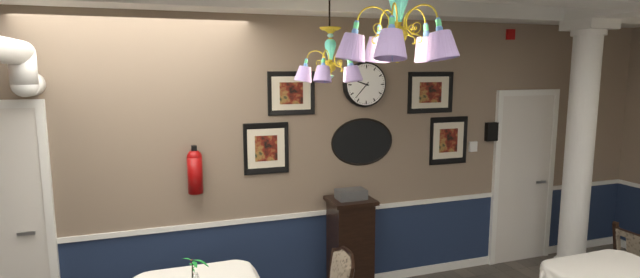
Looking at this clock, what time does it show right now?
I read 9:37
